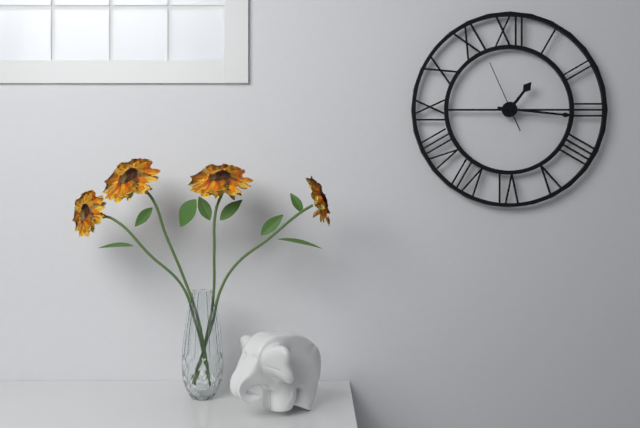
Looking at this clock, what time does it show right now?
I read 1:16:56
